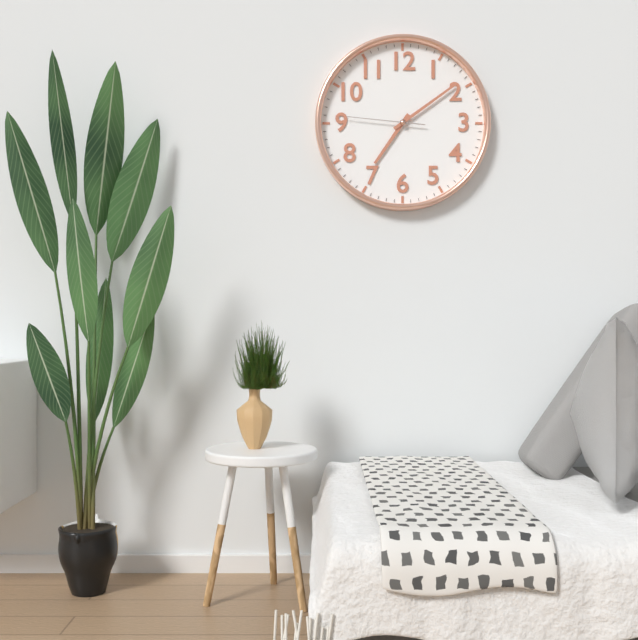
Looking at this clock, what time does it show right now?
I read 7:09:46
